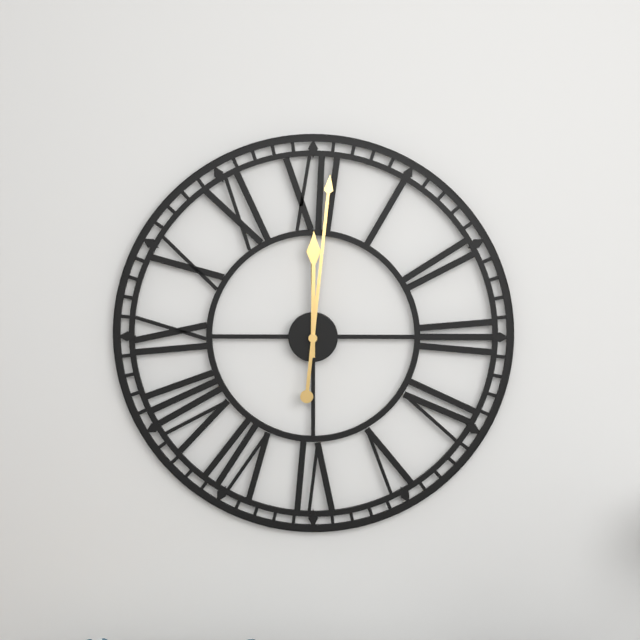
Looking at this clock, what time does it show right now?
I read 12:01
